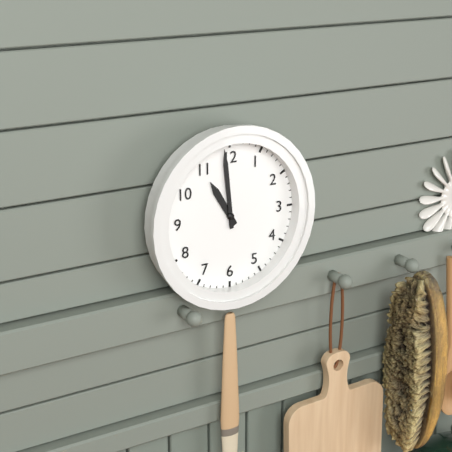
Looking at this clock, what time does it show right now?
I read 10:59
